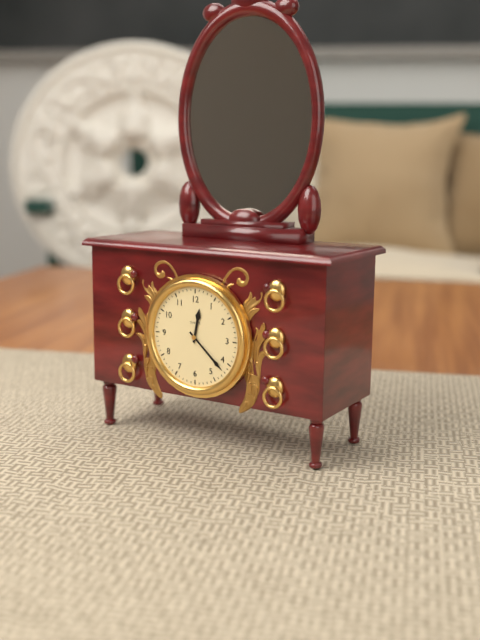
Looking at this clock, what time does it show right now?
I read 12:22
